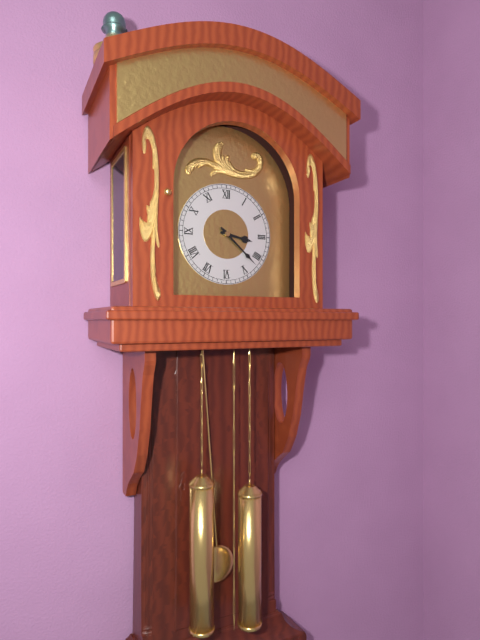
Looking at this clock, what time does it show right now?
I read 3:22
